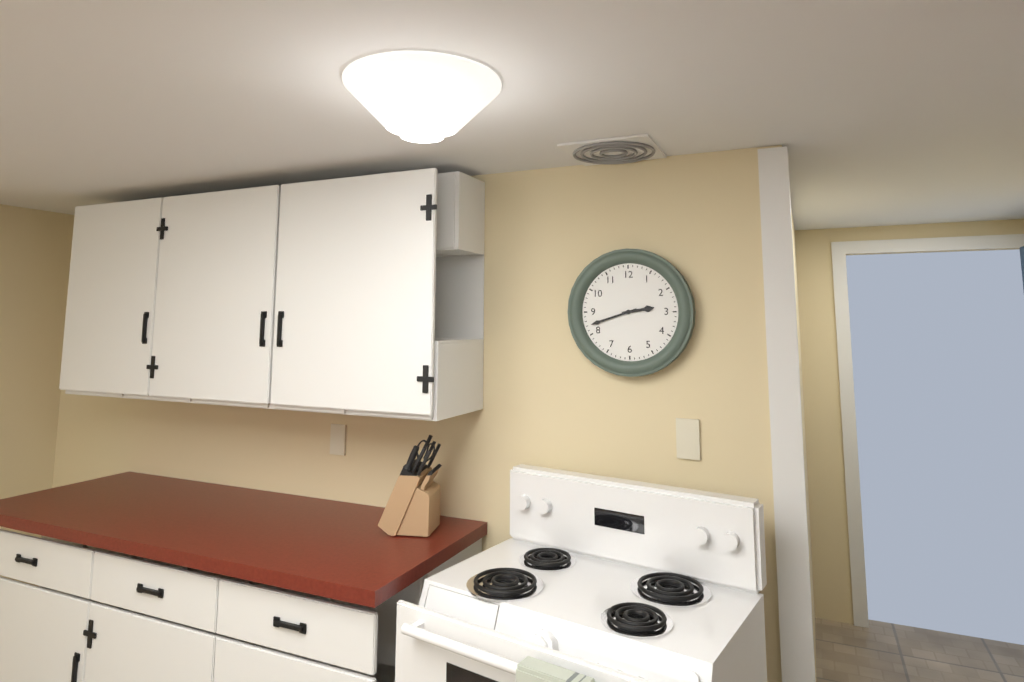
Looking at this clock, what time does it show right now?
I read 2:42
